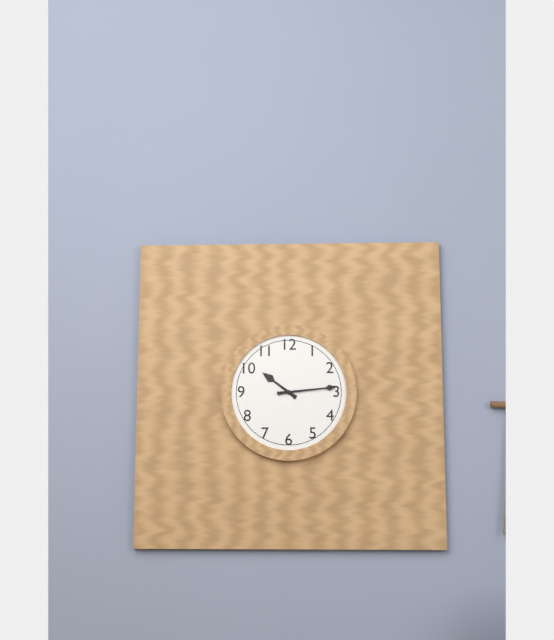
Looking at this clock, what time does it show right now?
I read 10:14
